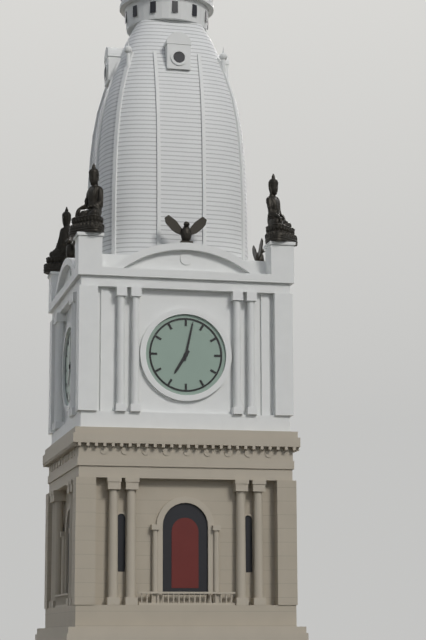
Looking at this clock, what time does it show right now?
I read 7:02
